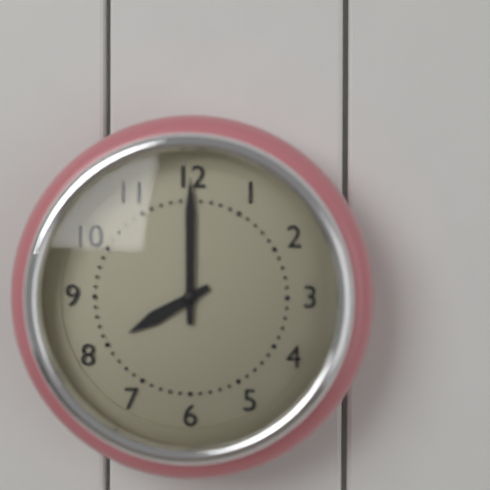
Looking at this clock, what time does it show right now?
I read 8:00
